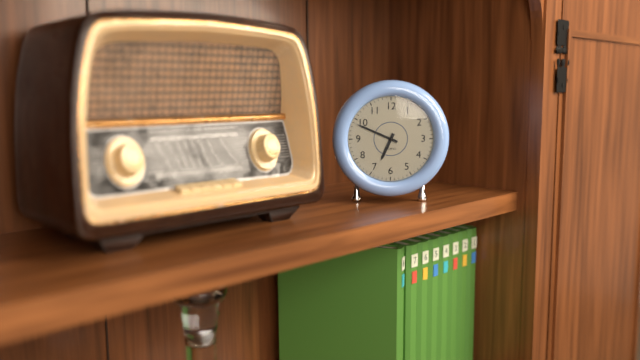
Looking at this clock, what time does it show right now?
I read 6:49
